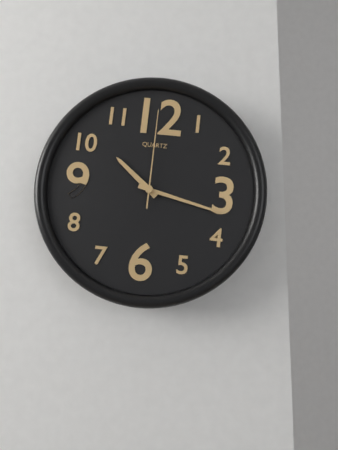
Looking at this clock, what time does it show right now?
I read 10:17:00
